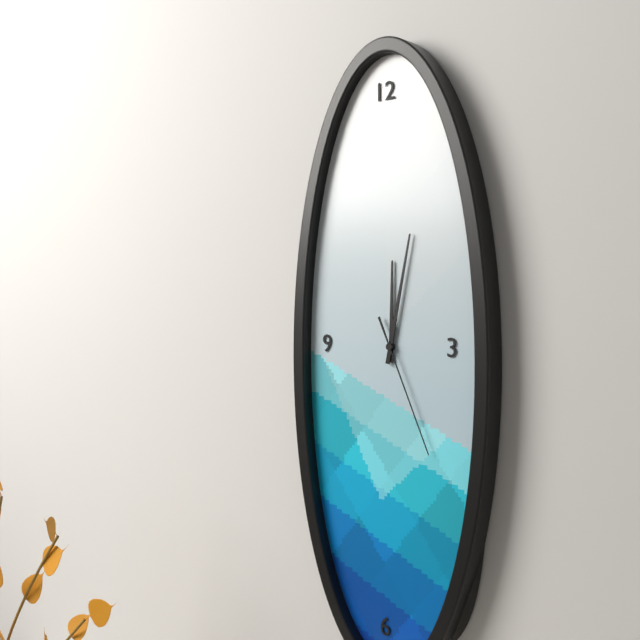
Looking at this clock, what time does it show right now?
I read 12:02:26
